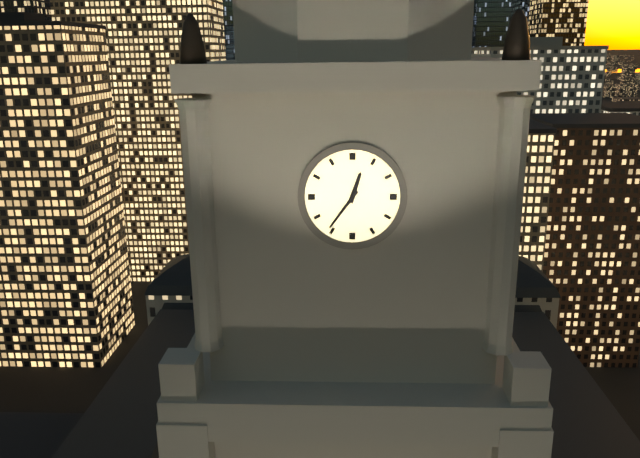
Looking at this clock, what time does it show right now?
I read 12:36
